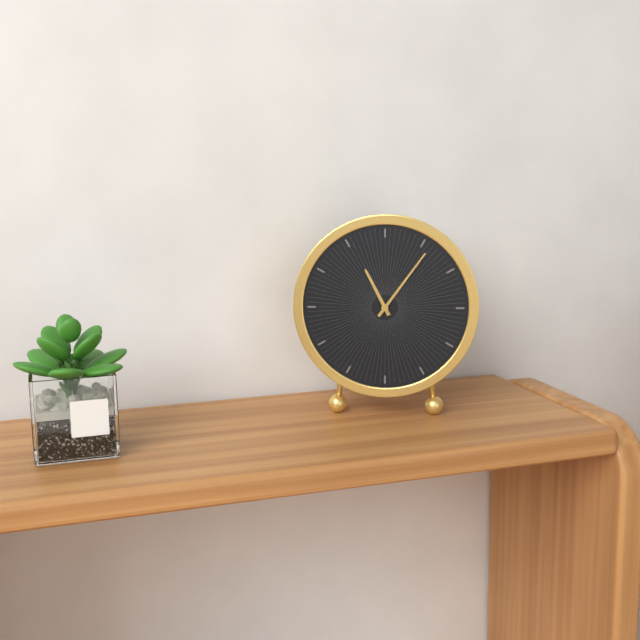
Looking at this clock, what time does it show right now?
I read 11:06
